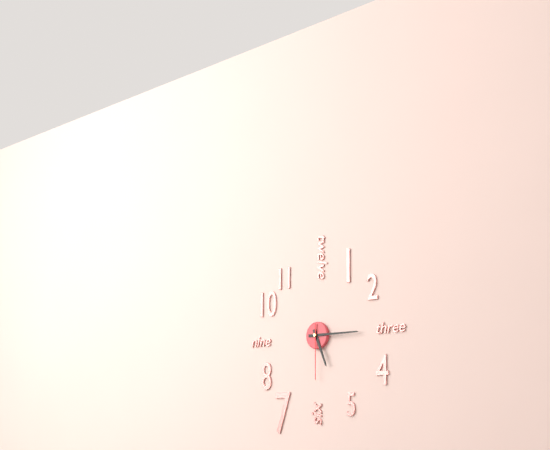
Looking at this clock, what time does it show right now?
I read 5:15:30
